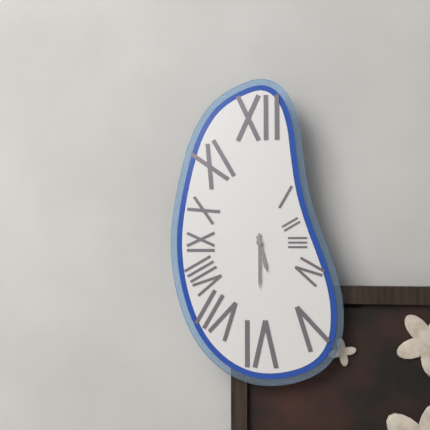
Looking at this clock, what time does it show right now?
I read 5:30
